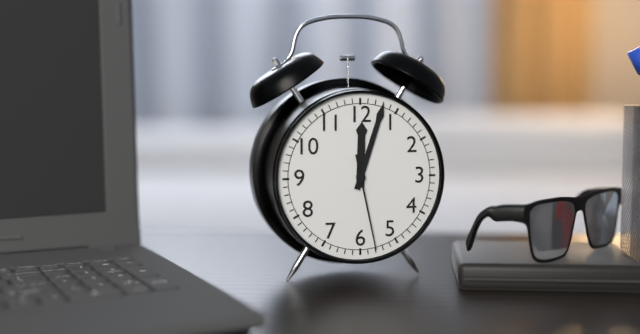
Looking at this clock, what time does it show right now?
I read 12:03:28
